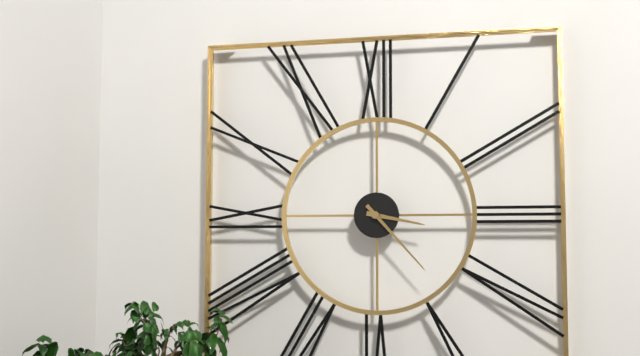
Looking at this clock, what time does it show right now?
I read 3:23
